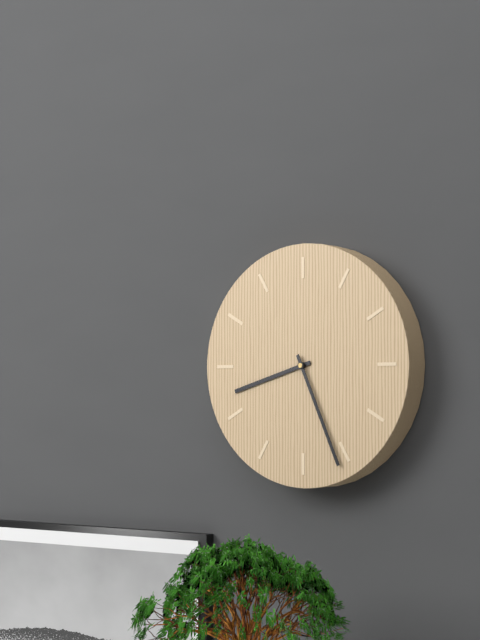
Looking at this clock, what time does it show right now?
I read 8:26
